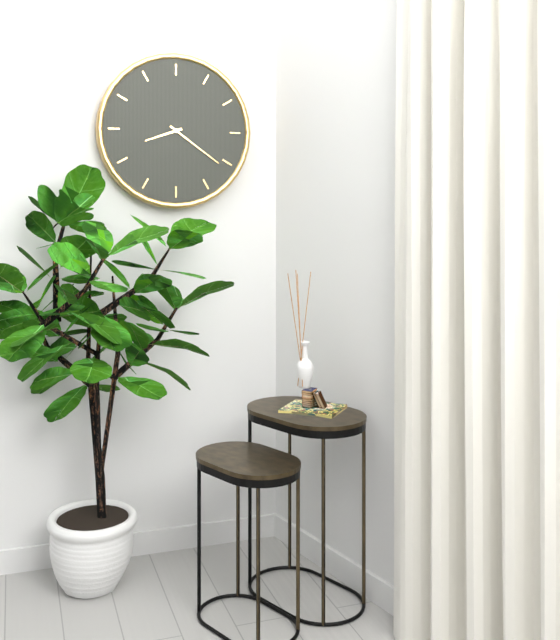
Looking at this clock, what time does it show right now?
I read 8:21
